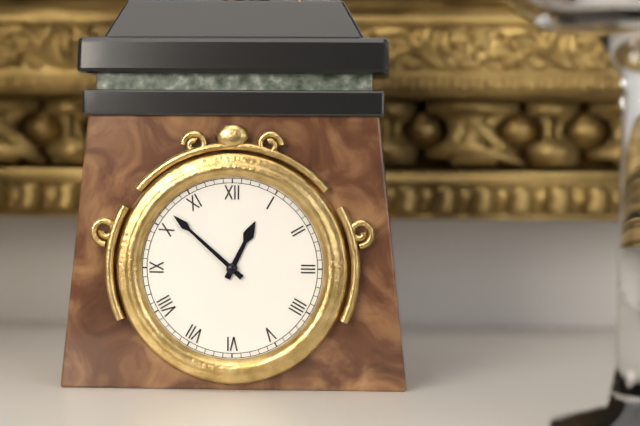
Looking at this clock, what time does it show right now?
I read 12:52
